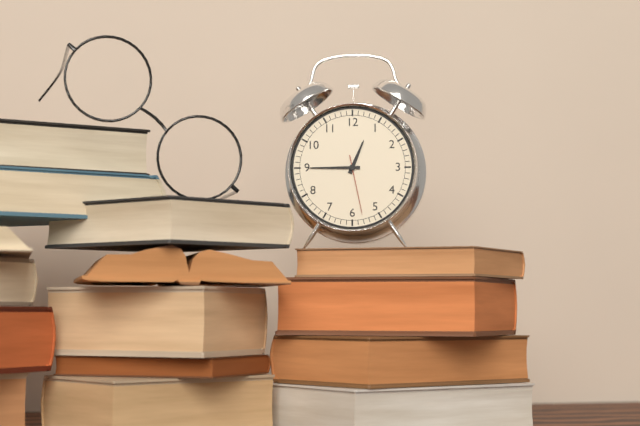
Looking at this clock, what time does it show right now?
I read 12:45:28
